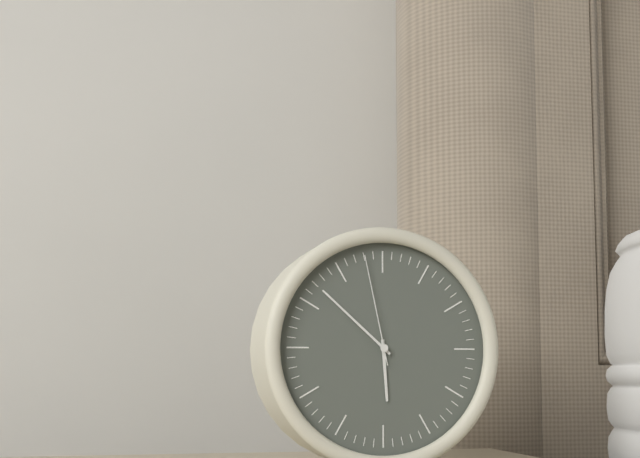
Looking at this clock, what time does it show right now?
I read 5:52:58
